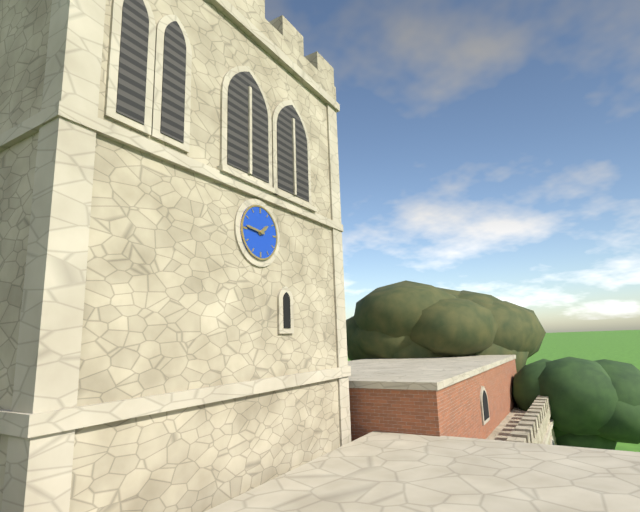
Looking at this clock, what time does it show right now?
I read 1:46
